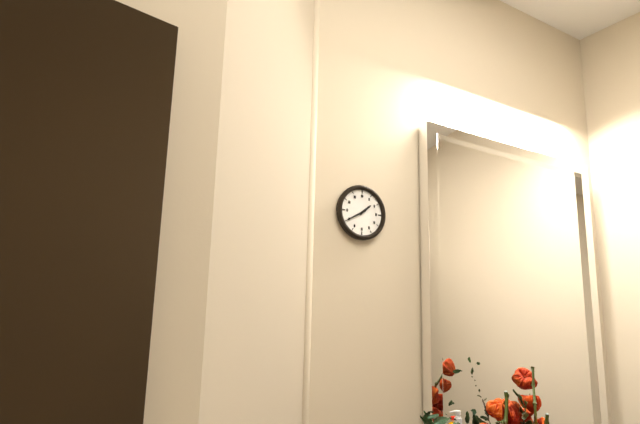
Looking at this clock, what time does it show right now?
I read 1:40
